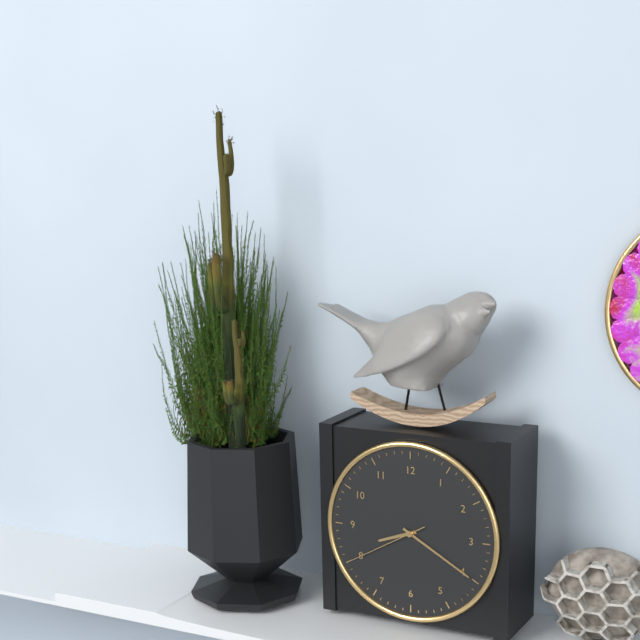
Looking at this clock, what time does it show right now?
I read 8:20:40
